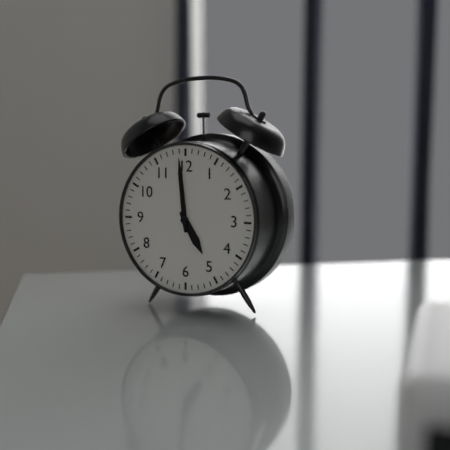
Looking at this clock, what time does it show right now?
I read 4:59
